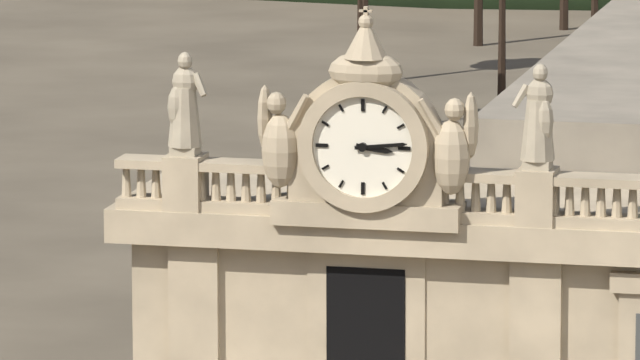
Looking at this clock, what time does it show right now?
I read 3:14
